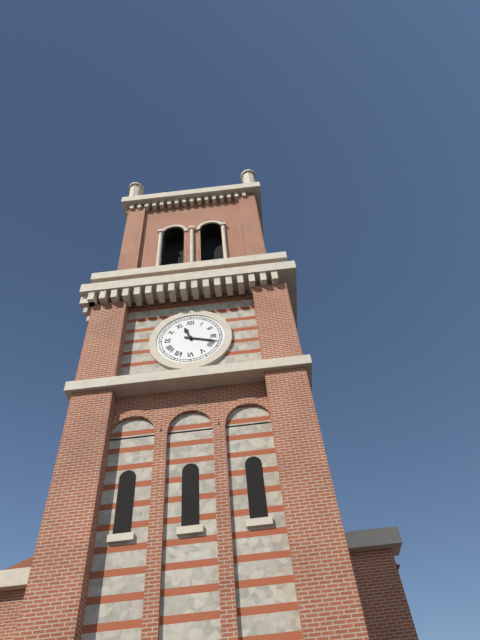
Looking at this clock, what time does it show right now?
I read 11:18
